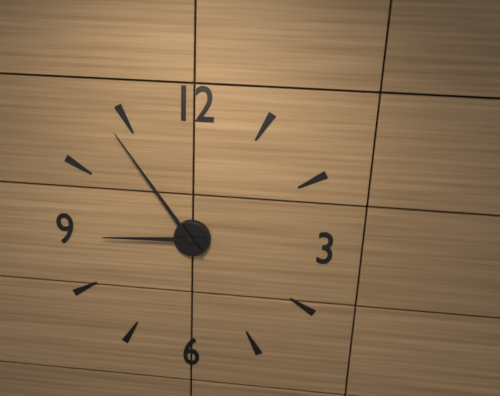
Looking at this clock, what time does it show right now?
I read 8:54
